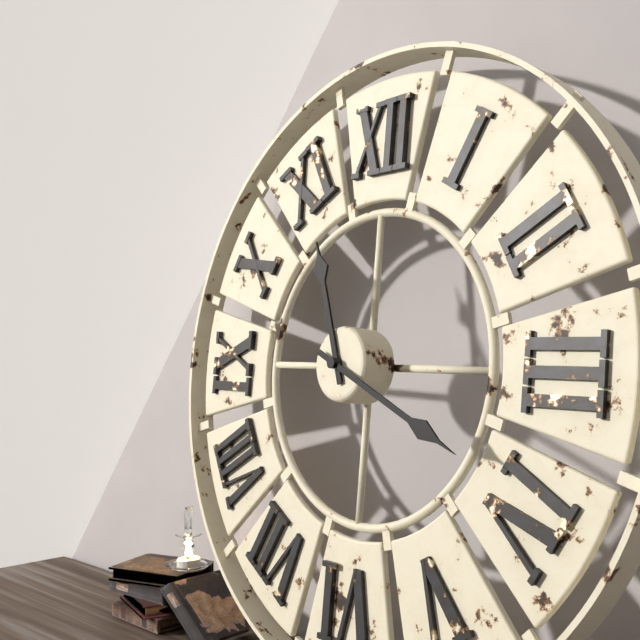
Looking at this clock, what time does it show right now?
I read 11:19
